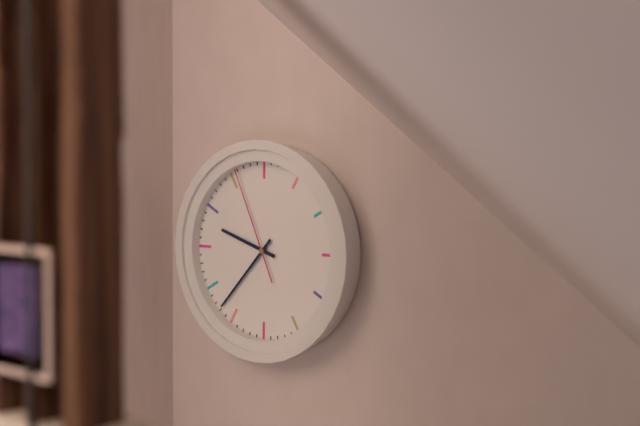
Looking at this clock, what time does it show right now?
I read 9:37:56
